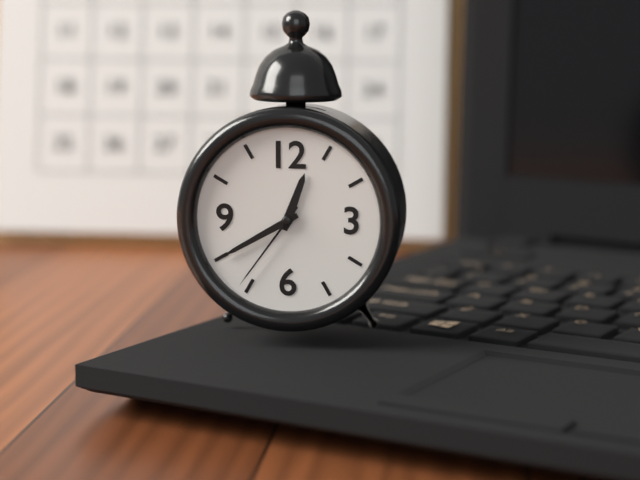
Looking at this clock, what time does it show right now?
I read 12:40:36
